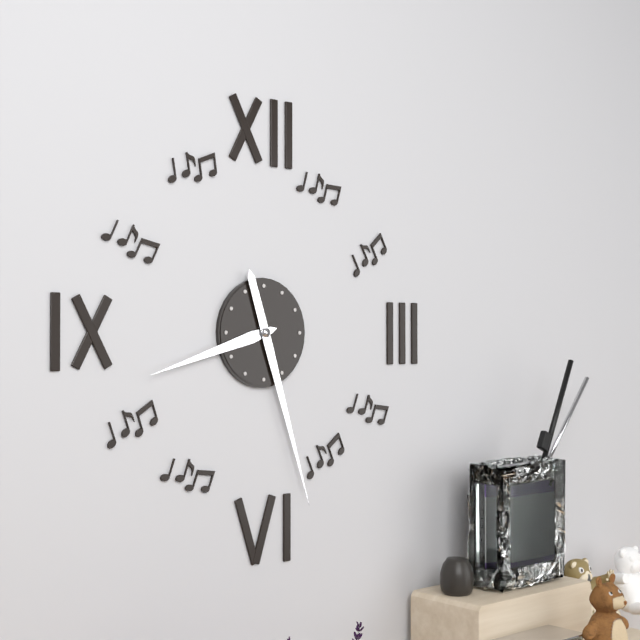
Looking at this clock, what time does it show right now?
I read 8:27
